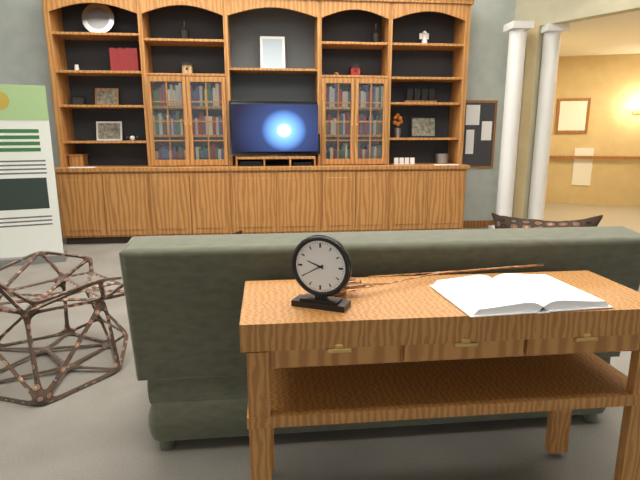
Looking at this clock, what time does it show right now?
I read 9:40
